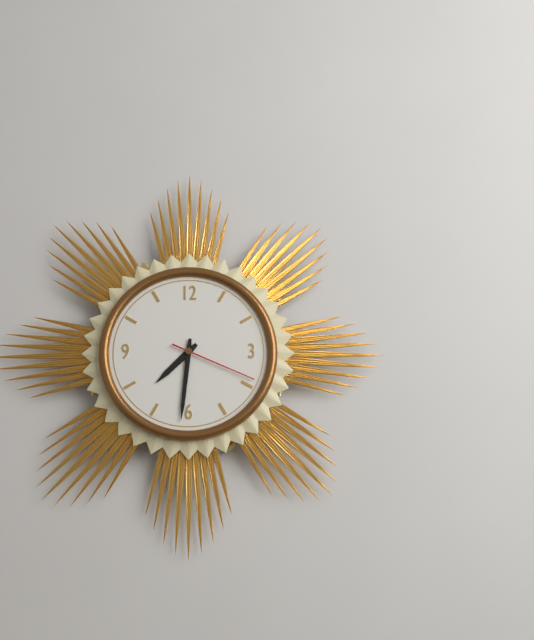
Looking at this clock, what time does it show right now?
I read 7:31:19
